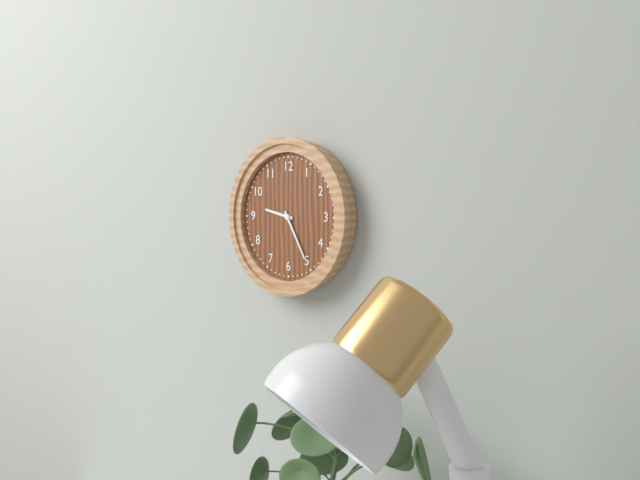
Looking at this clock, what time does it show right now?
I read 9:25
